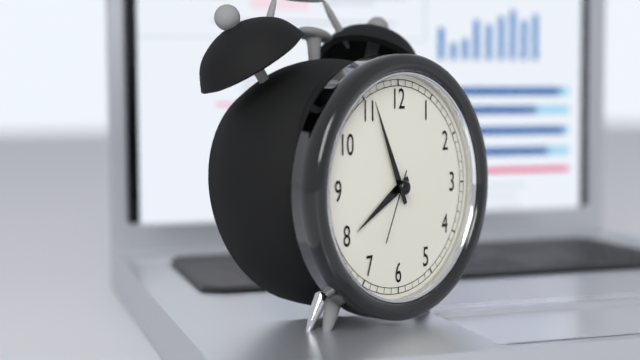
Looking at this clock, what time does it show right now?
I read 7:56:34
